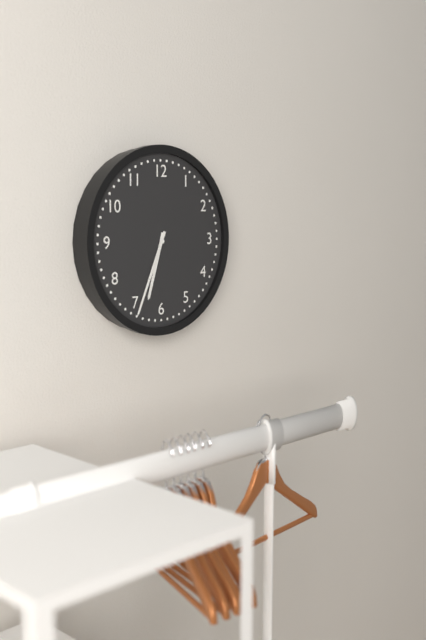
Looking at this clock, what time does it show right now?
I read 6:34
